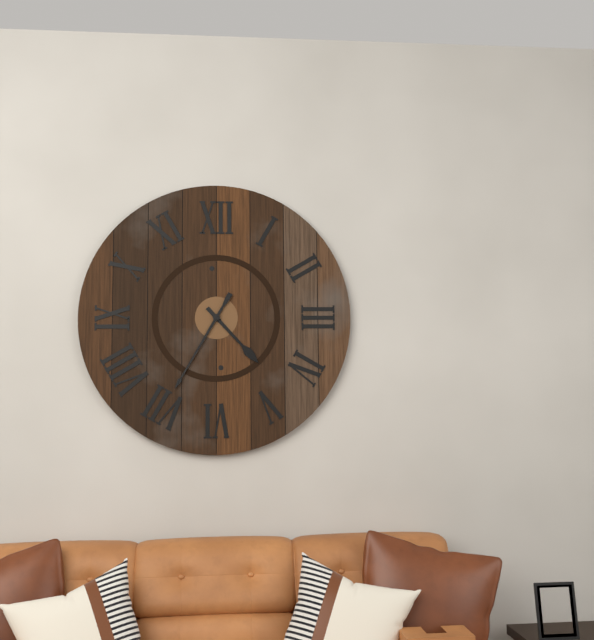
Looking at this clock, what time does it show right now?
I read 4:35
